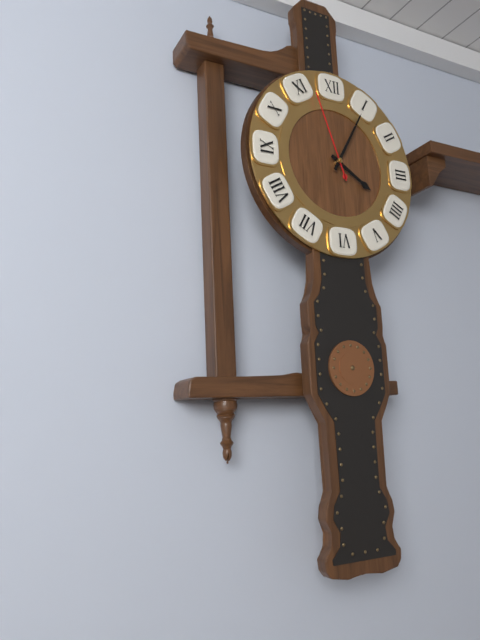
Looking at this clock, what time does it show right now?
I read 4:05:57
